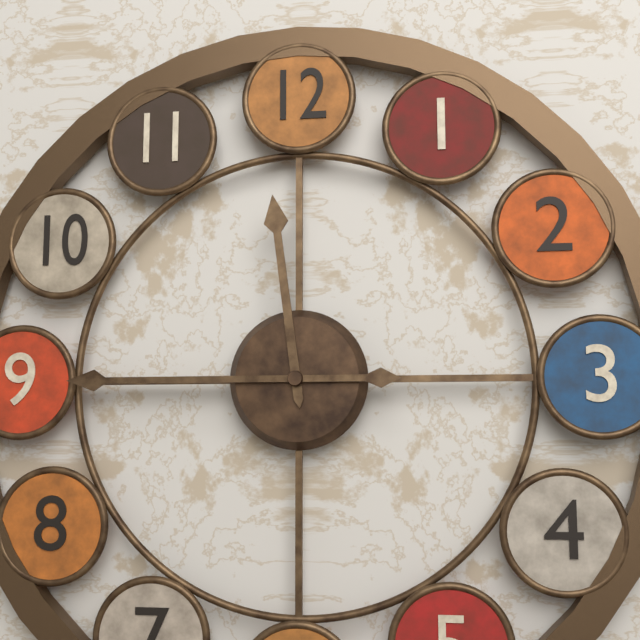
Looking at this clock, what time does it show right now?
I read 11:45
